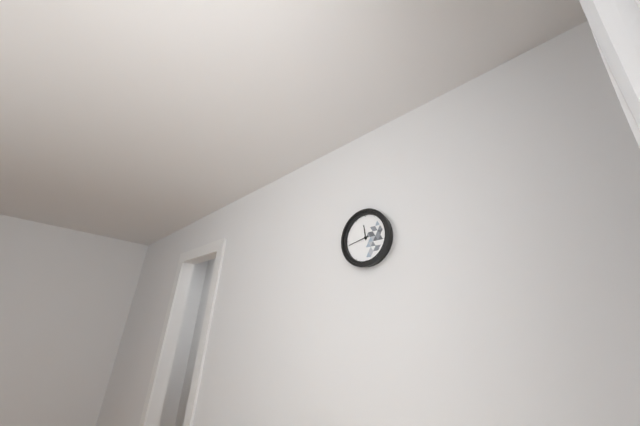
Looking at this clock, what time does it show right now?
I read 11:43
